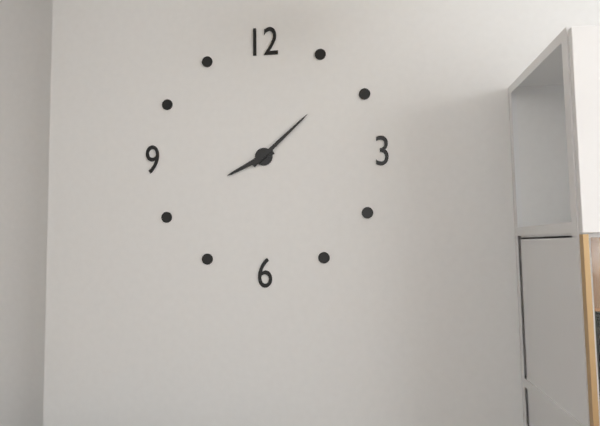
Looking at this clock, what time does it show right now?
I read 8:08
